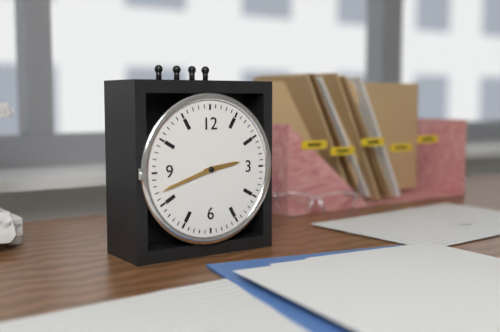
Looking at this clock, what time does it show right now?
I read 2:42
